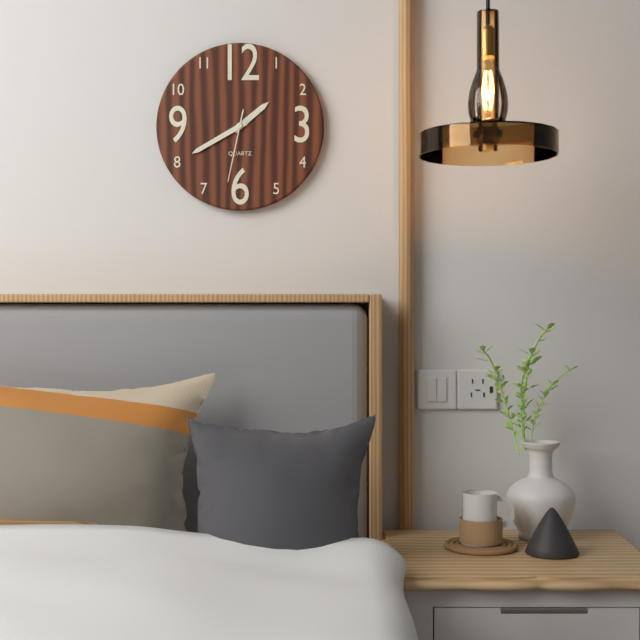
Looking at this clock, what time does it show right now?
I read 1:40:32
